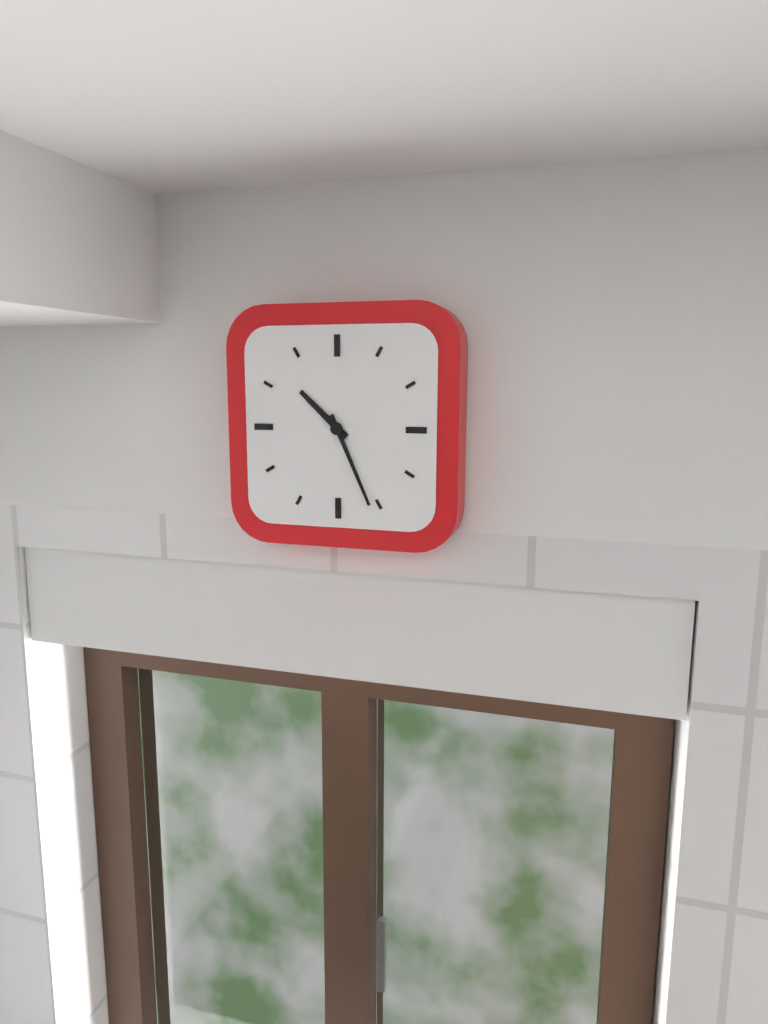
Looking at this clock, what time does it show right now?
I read 10:26
